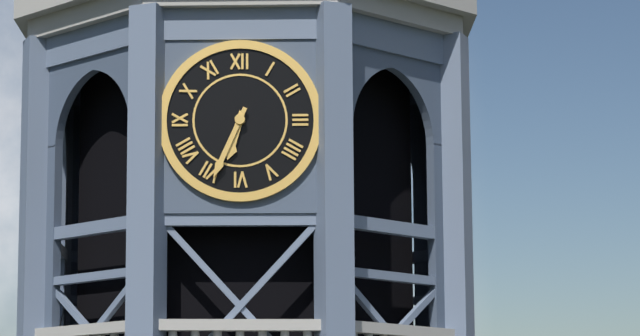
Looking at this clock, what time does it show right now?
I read 6:34
